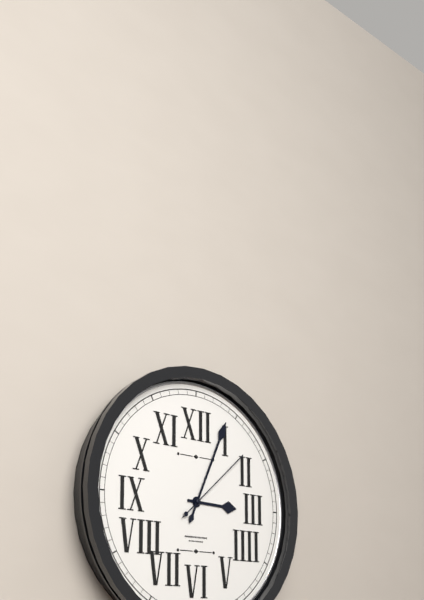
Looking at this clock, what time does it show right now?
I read 3:04:08
